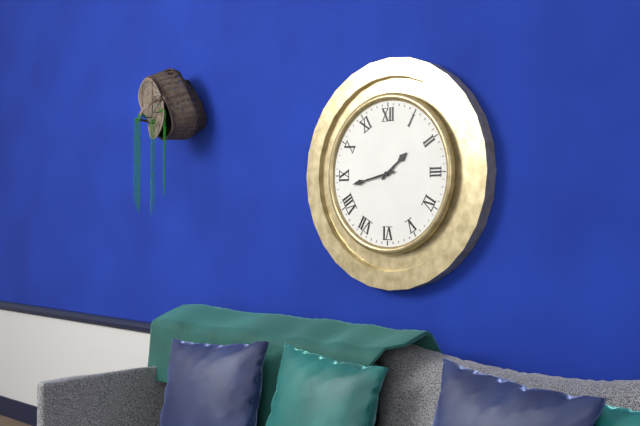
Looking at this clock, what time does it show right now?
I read 1:43
